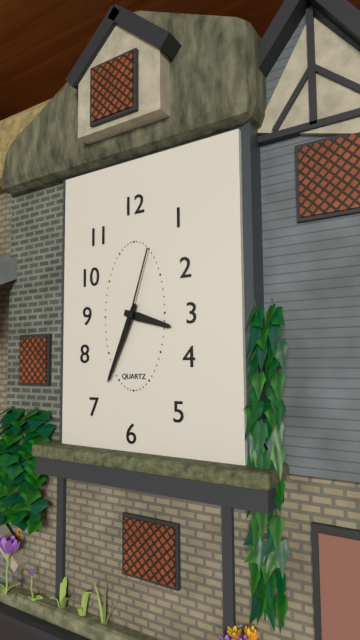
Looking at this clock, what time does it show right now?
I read 3:34:03
